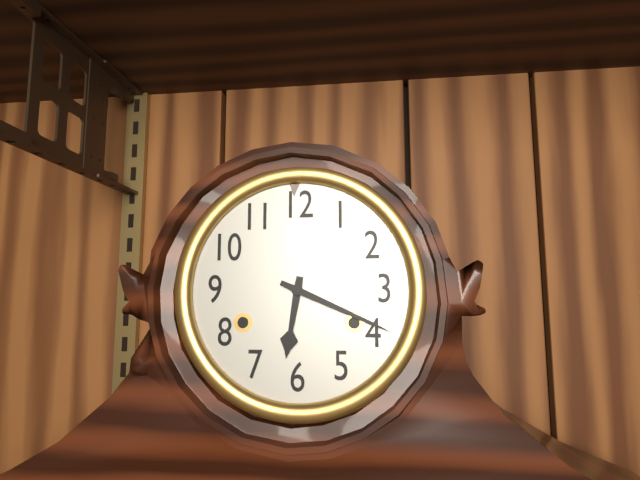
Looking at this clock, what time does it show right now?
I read 6:19
